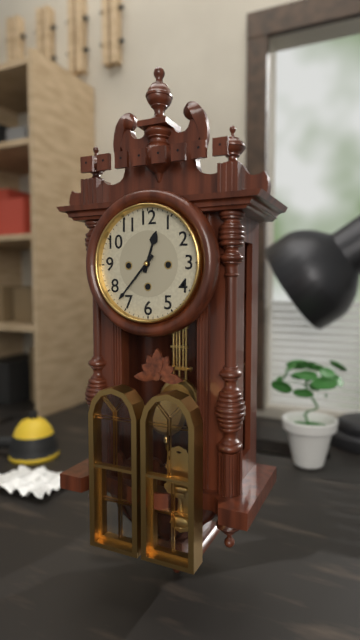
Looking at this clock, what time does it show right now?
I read 12:37
